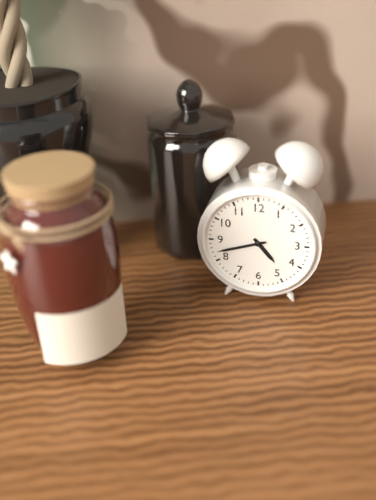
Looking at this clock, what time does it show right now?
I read 4:42
